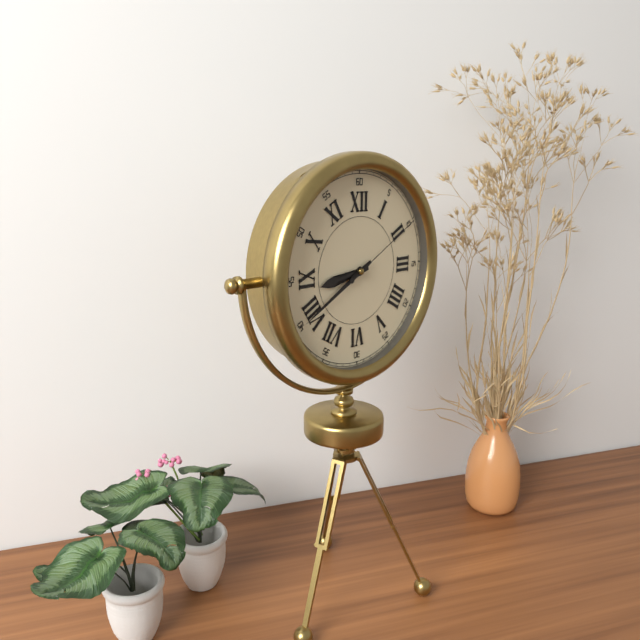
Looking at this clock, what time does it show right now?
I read 8:40:10
